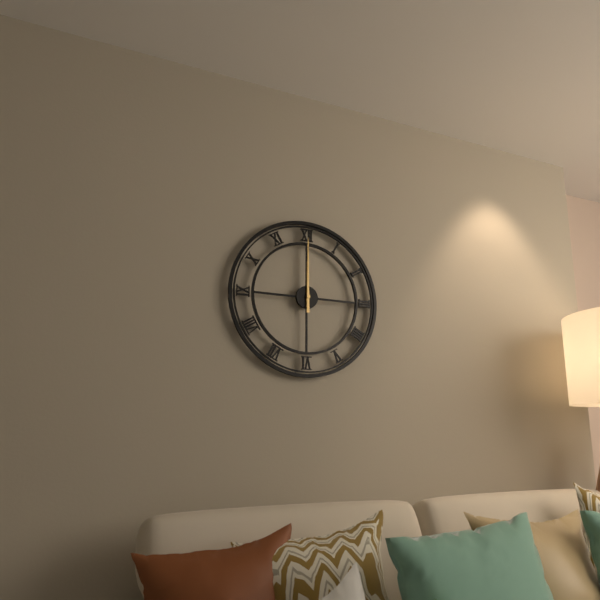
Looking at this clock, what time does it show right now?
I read 12:00
